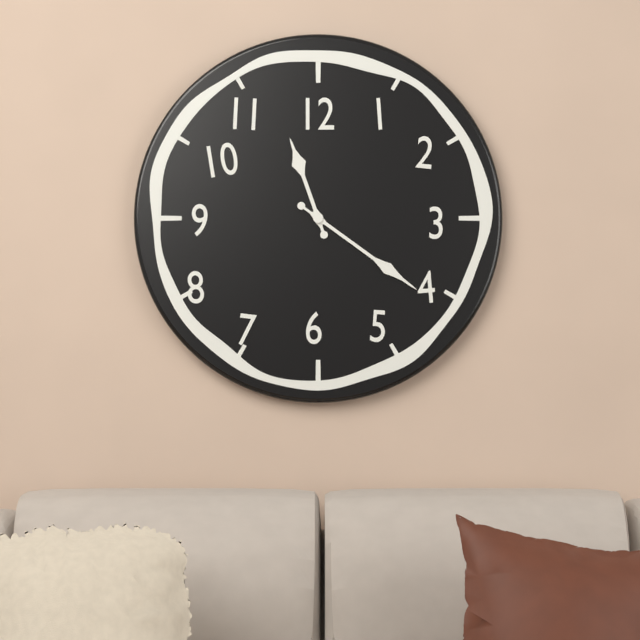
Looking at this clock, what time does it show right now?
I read 11:21
